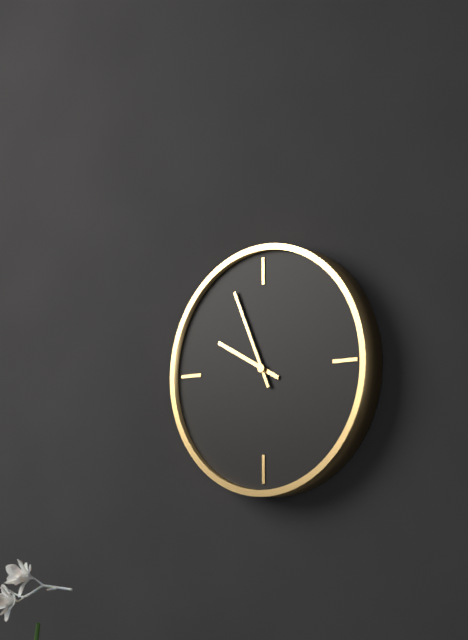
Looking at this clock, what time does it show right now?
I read 9:56
